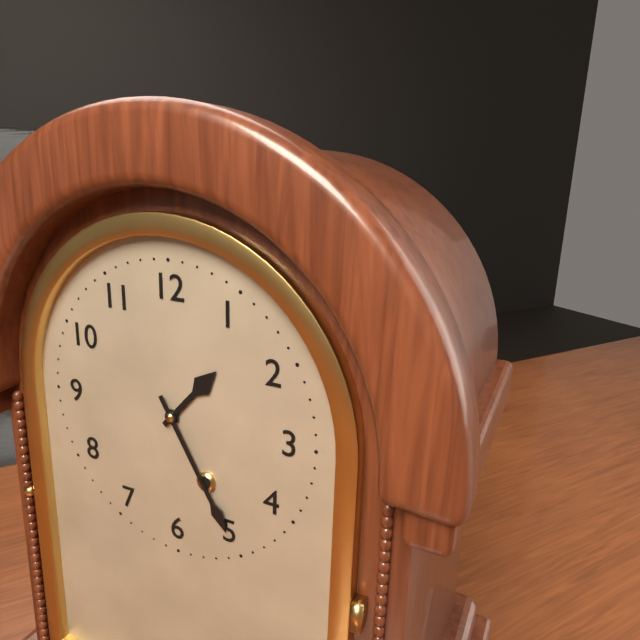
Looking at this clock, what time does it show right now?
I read 1:25
